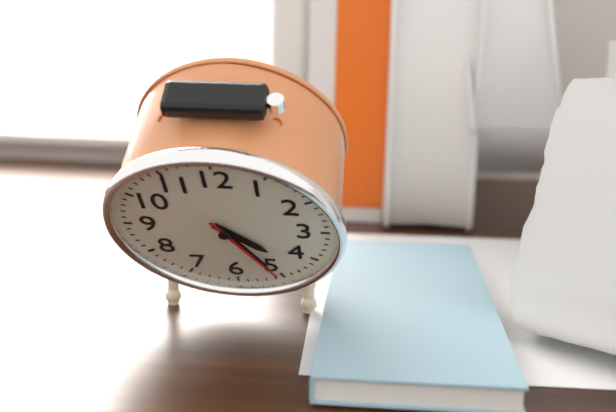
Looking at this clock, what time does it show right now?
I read 4:25:25
